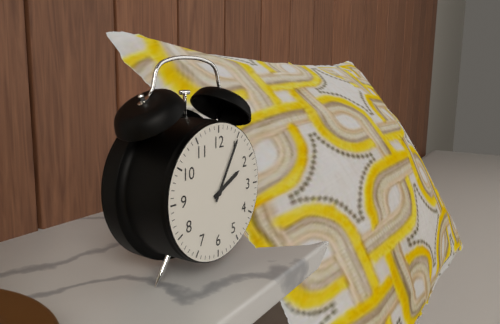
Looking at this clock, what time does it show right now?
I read 2:05
